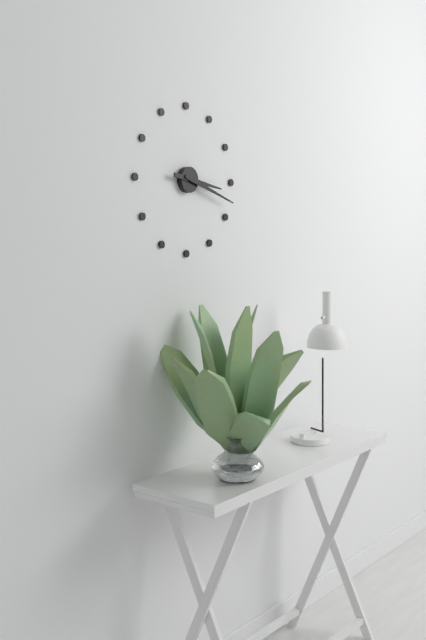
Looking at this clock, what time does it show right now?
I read 3:18
